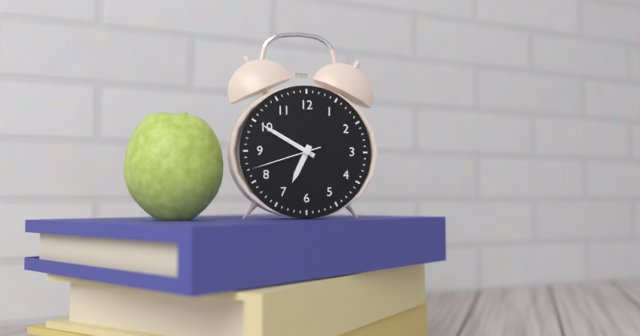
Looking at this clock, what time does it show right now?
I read 6:50:42
